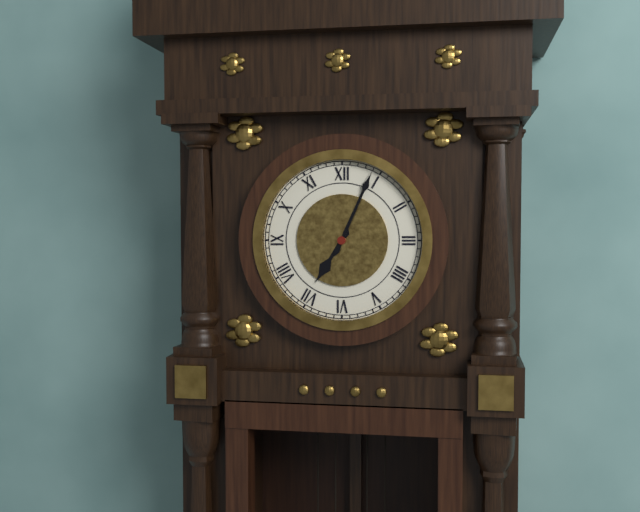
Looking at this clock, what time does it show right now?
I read 7:04
